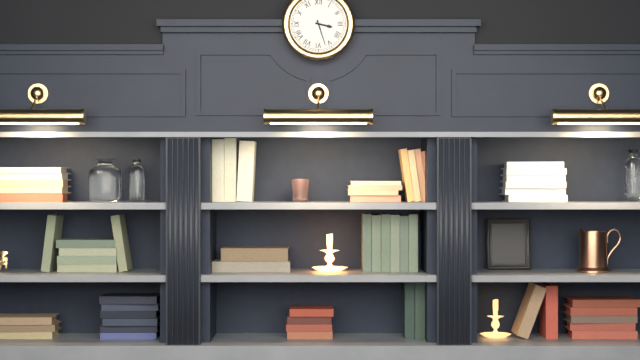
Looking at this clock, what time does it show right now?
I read 3:27
